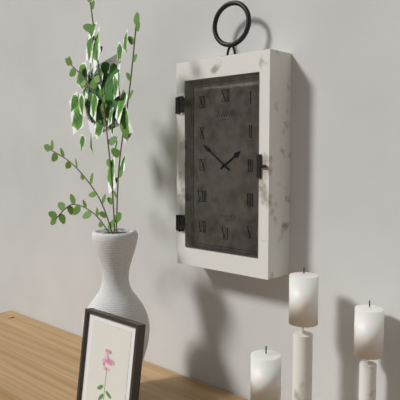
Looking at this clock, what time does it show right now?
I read 1:51
